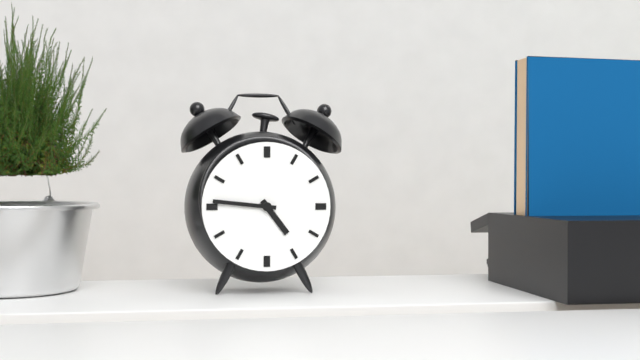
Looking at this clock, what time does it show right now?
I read 4:46
